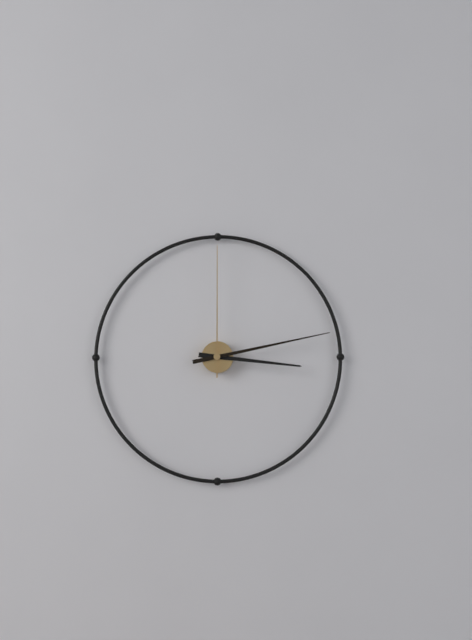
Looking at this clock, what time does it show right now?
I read 3:13:00
